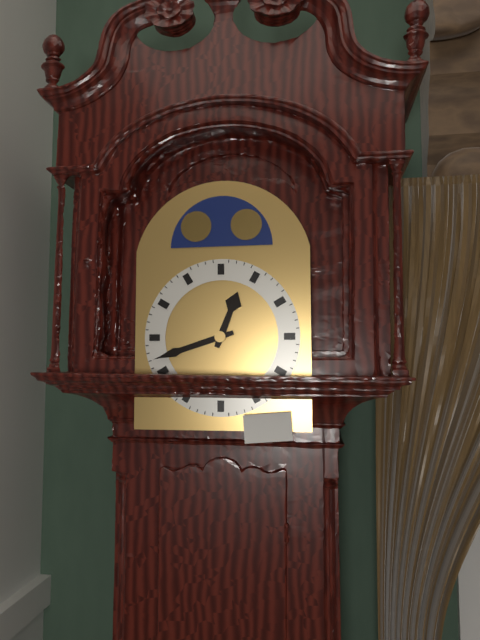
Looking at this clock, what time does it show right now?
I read 12:42
